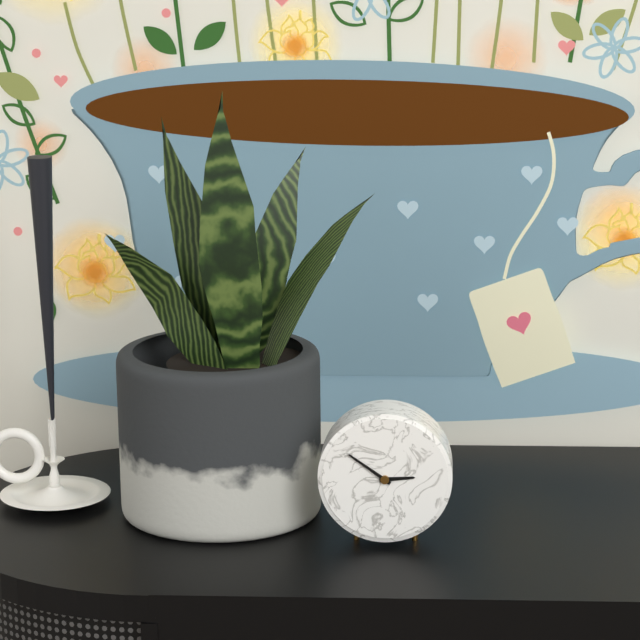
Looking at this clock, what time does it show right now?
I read 2:51
